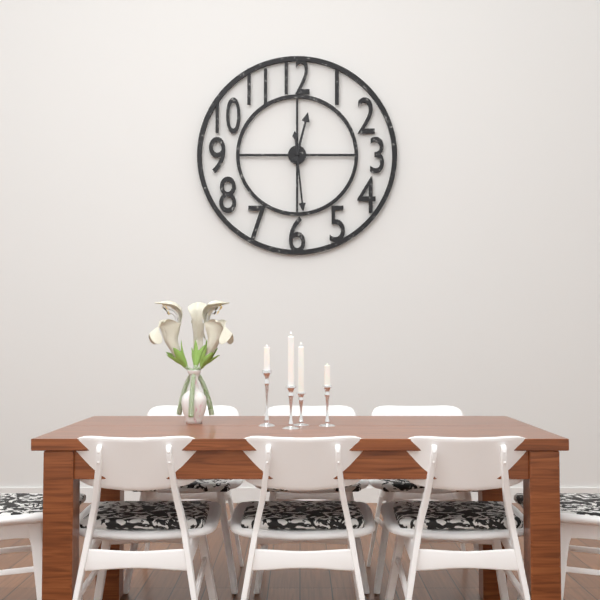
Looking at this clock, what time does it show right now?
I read 12:29
